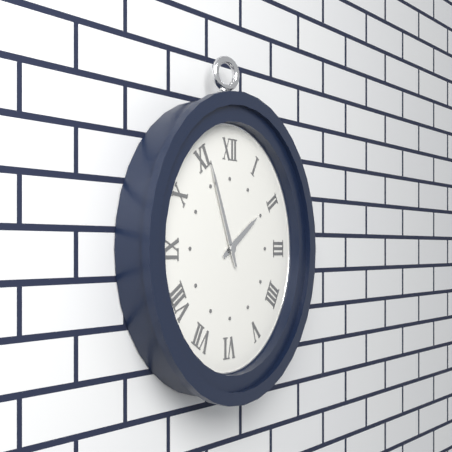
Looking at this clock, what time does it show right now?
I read 1:56
